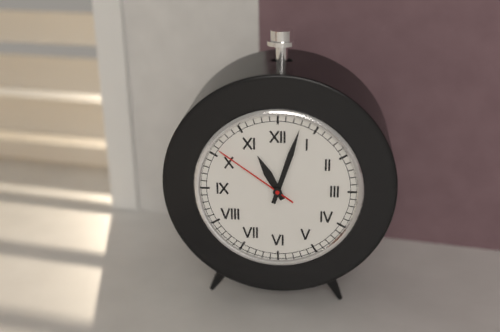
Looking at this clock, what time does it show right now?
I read 11:03:51
